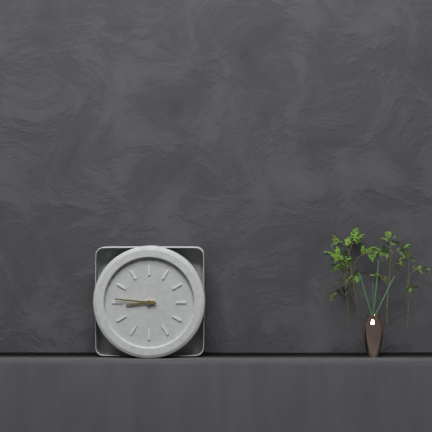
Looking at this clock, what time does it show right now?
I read 8:46
